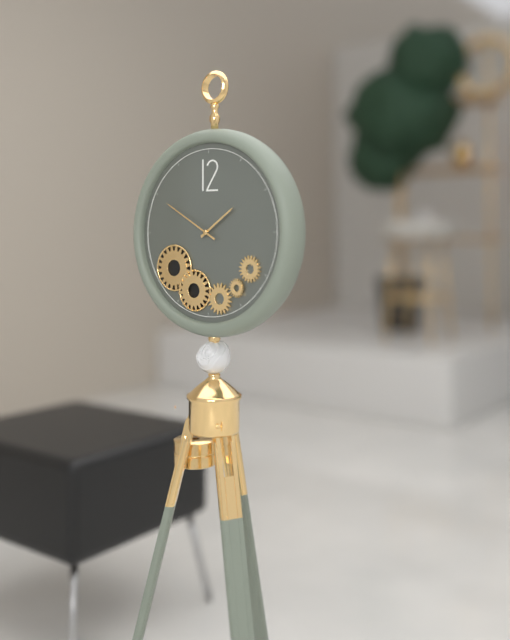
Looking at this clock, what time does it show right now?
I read 1:50
